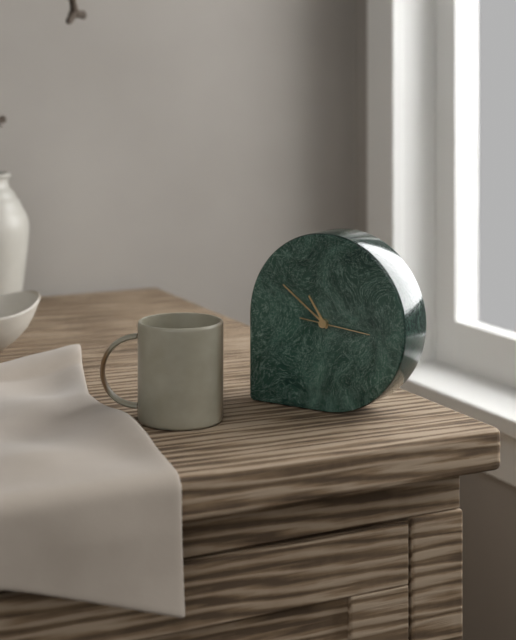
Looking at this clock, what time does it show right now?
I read 10:51:16
